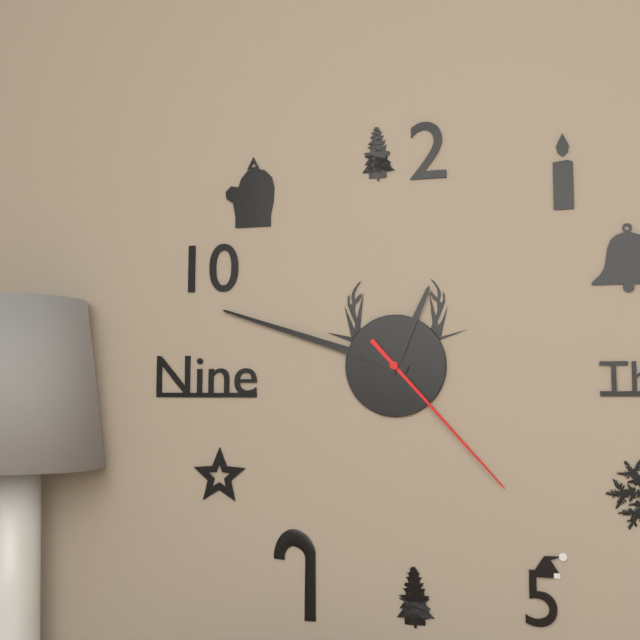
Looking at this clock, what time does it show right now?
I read 12:48:23
